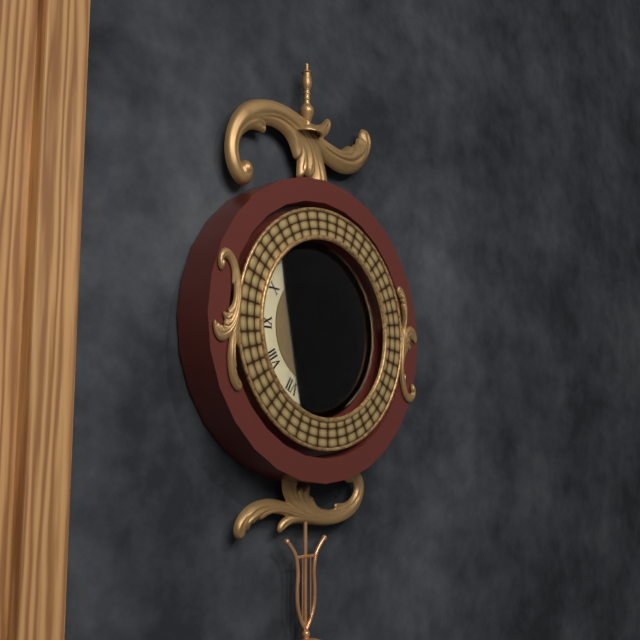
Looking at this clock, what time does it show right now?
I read 7:16:30
